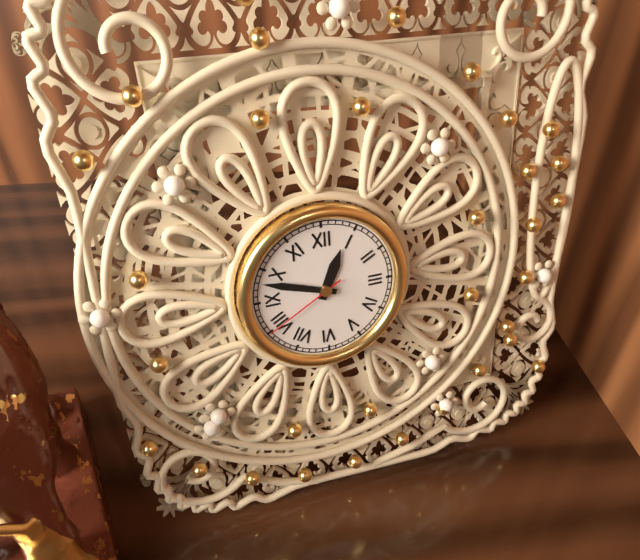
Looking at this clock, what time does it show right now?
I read 12:48:40
